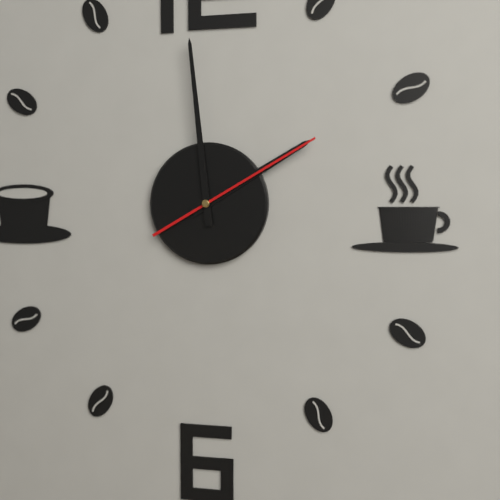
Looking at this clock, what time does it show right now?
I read 1:59:10
